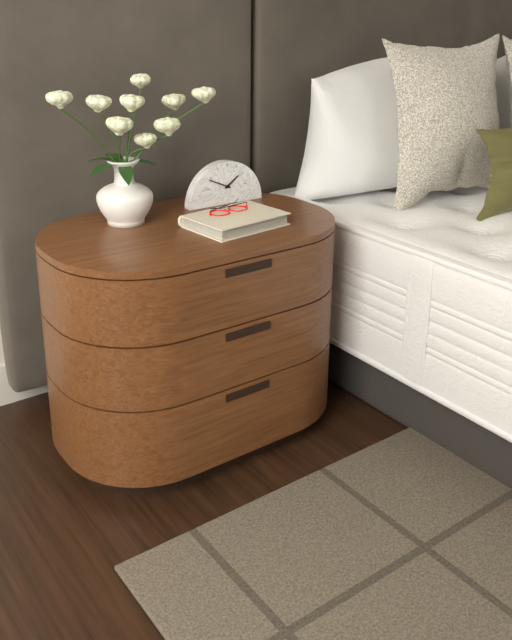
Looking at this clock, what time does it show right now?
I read 1:49
